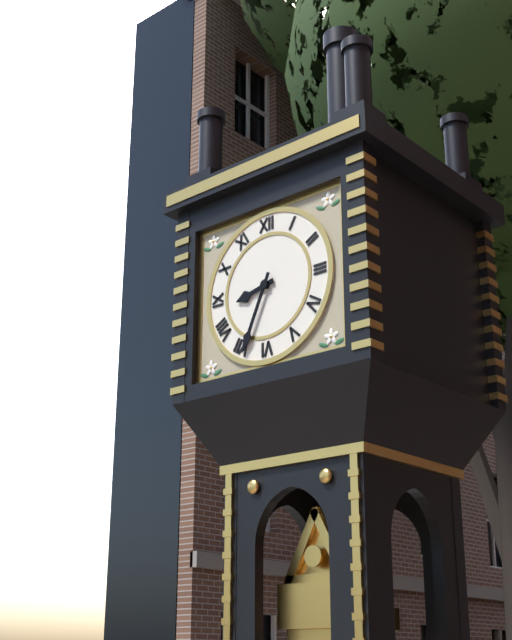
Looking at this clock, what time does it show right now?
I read 8:34
